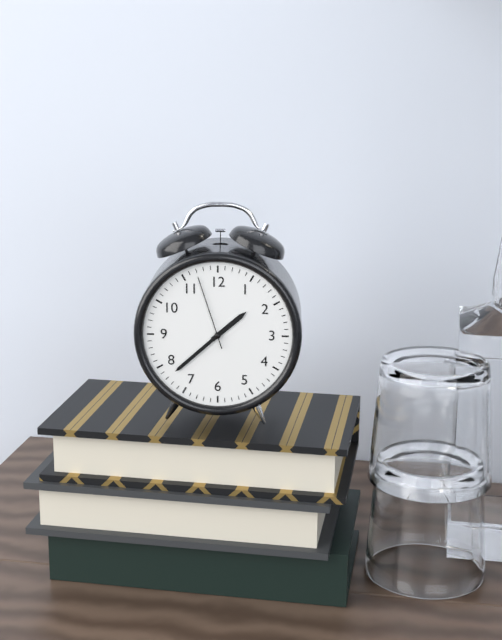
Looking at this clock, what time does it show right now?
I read 1:38:57
